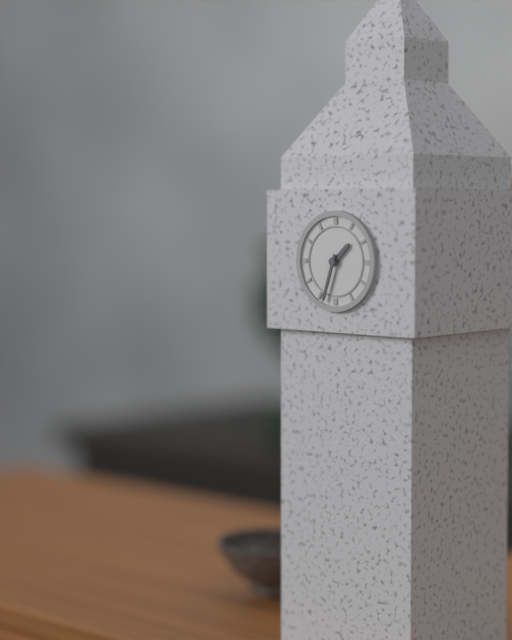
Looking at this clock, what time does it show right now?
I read 1:33
